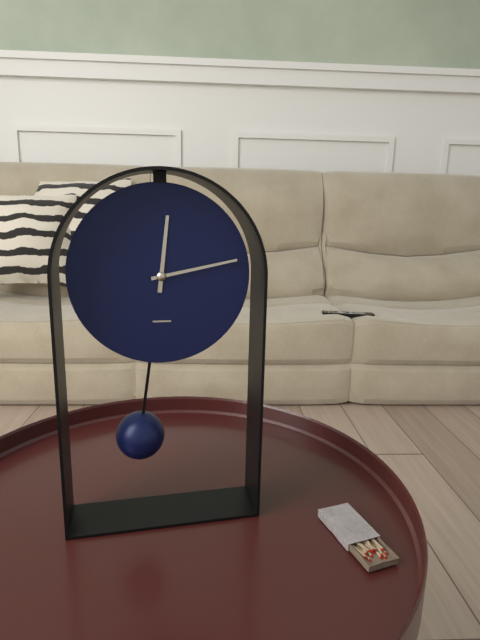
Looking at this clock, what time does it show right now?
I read 12:13
